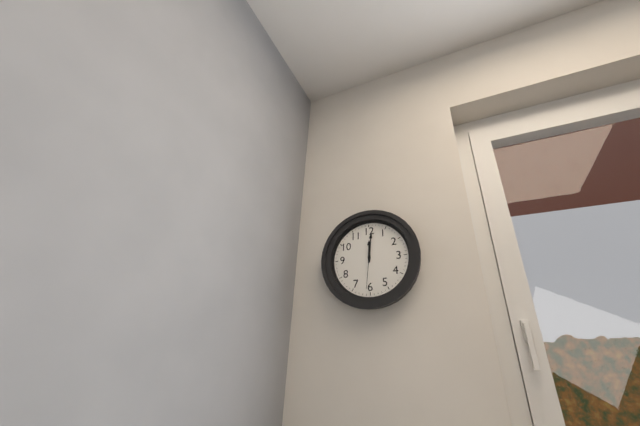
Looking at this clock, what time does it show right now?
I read 12:01
